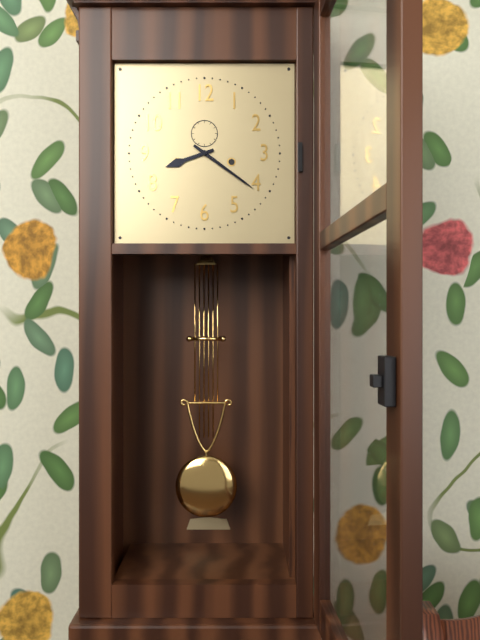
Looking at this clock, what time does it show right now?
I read 8:21
